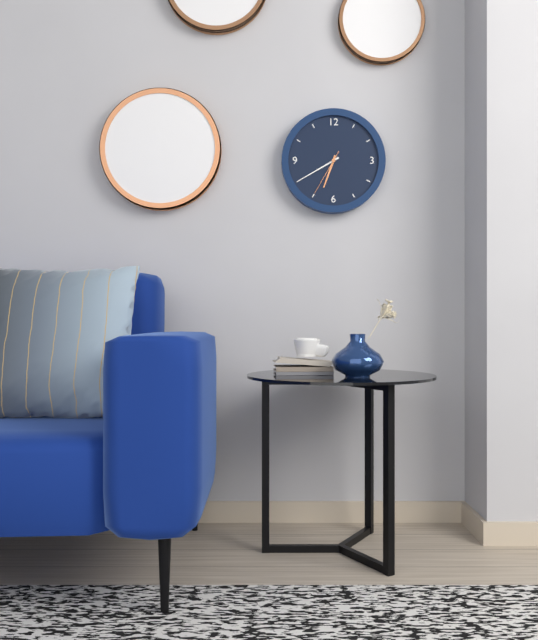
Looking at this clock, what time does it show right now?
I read 6:40
